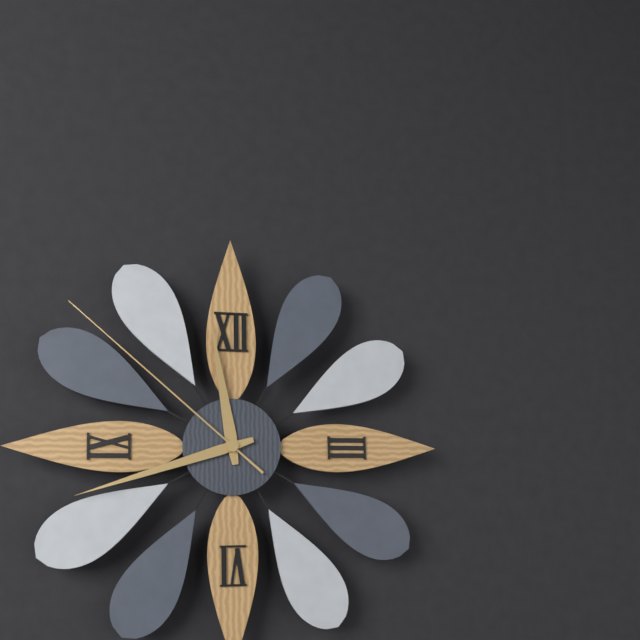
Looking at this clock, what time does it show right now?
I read 11:42:52
